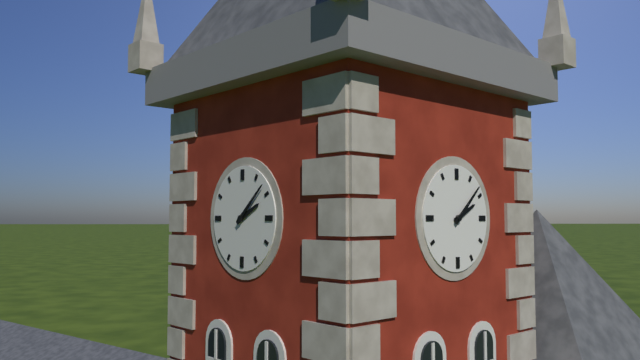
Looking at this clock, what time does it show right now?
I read 2:08
